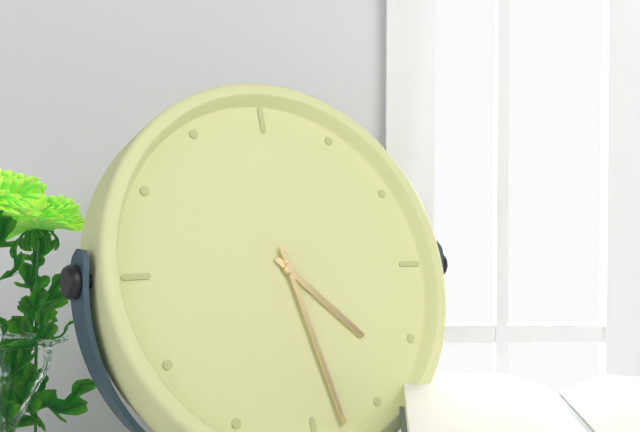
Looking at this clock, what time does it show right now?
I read 4:28
